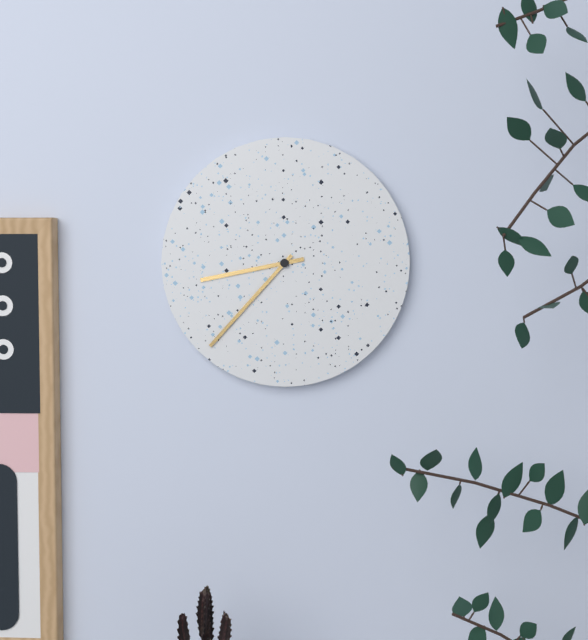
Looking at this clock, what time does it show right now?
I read 8:37
